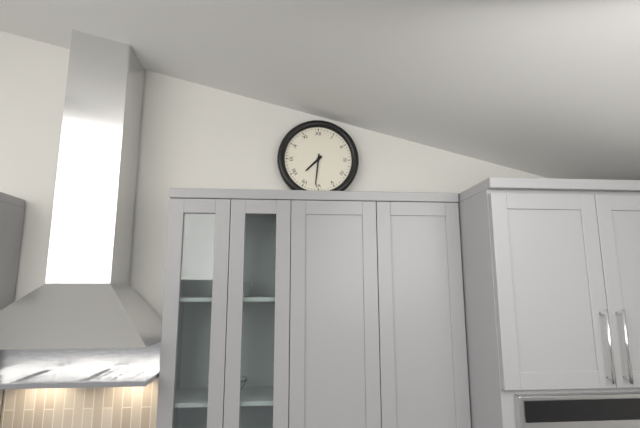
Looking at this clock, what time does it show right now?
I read 7:31
